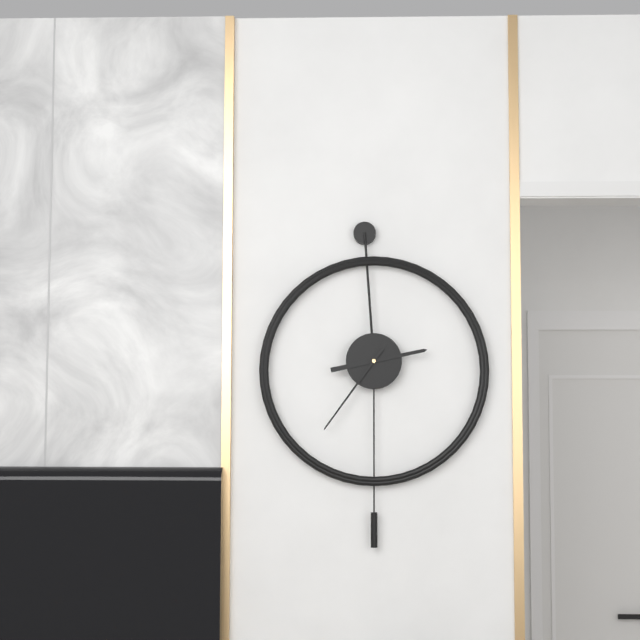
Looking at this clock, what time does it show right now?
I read 2:36
